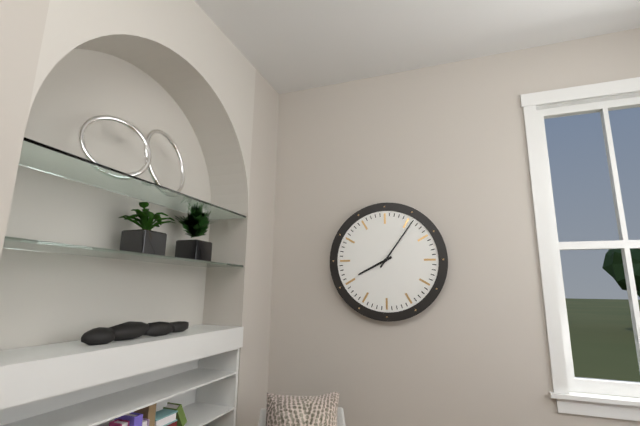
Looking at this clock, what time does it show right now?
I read 8:06
